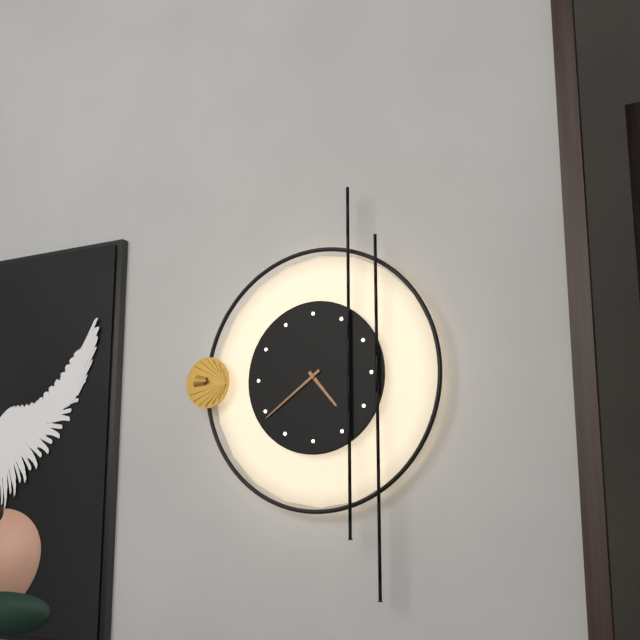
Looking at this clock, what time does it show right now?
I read 4:39
